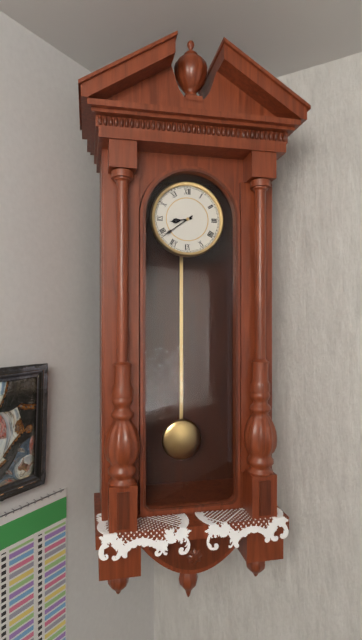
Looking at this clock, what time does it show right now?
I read 8:39
